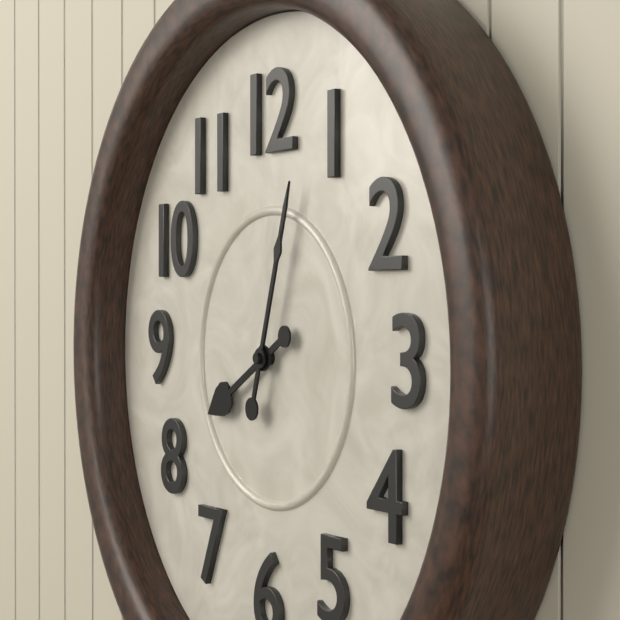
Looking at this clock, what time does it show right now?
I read 8:03
